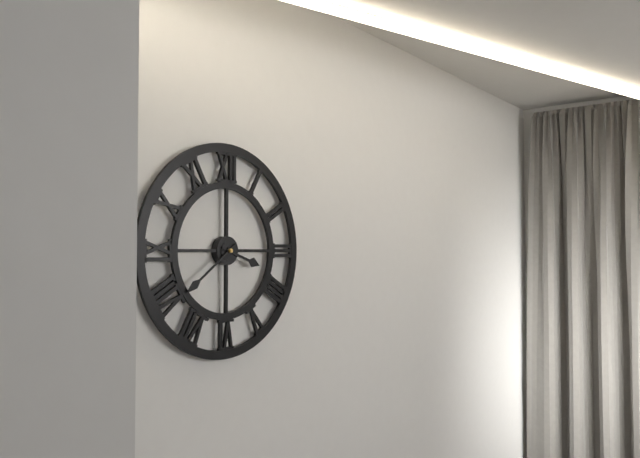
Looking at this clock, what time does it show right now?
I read 3:39
